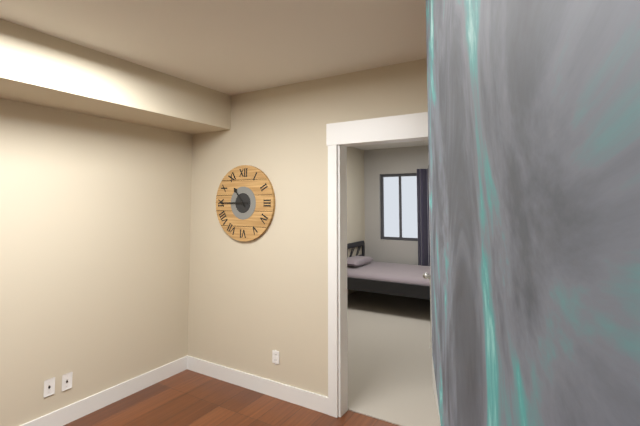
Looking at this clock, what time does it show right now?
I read 10:45
